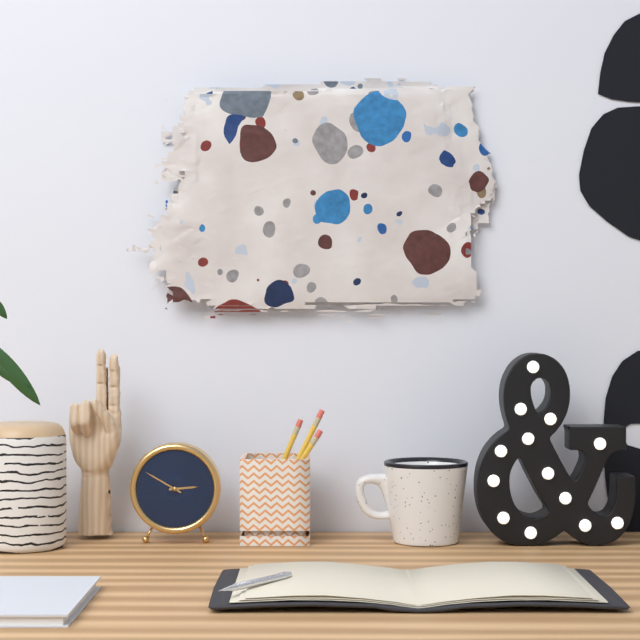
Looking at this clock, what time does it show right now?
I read 2:50
